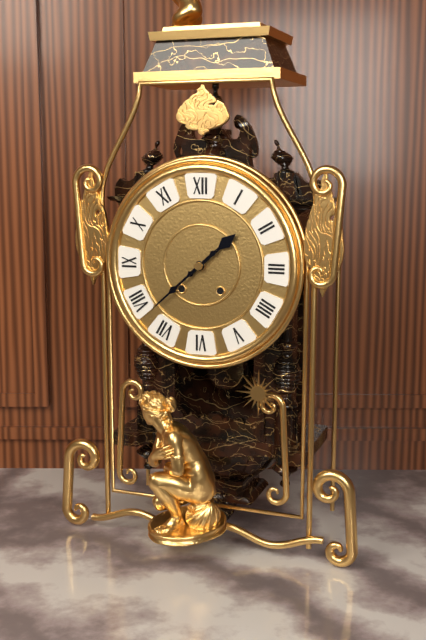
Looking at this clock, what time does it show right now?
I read 1:38
